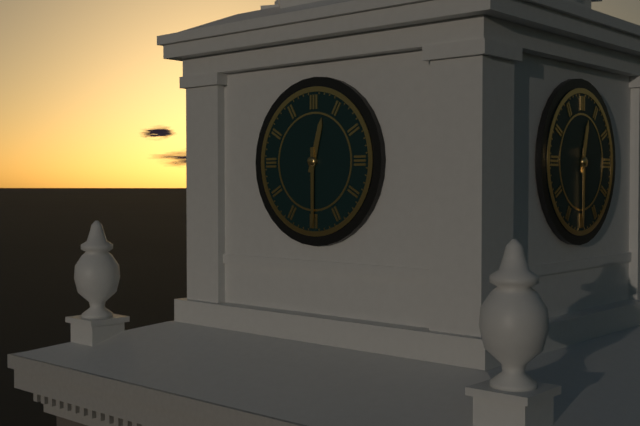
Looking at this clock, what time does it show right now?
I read 12:30
